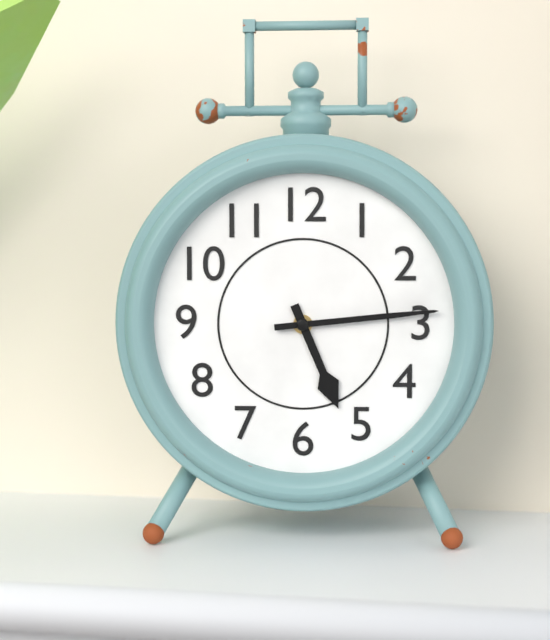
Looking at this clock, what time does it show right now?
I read 5:14
